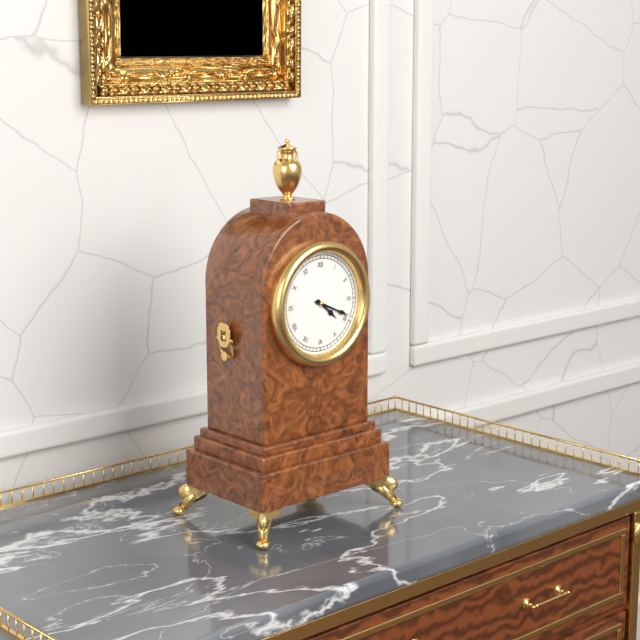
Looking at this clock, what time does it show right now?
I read 4:19
